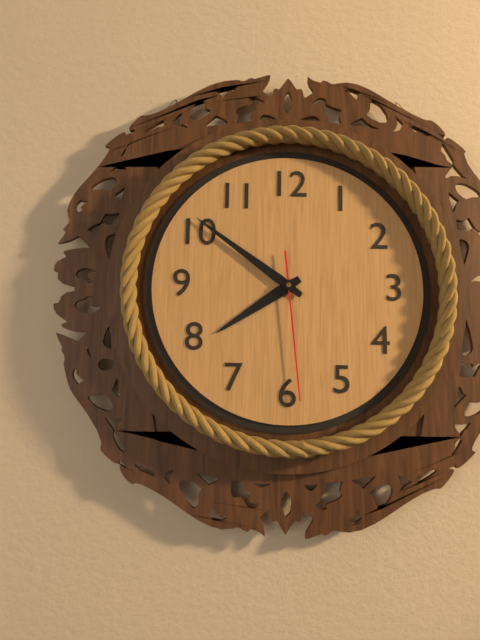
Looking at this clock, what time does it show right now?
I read 7:51:29
